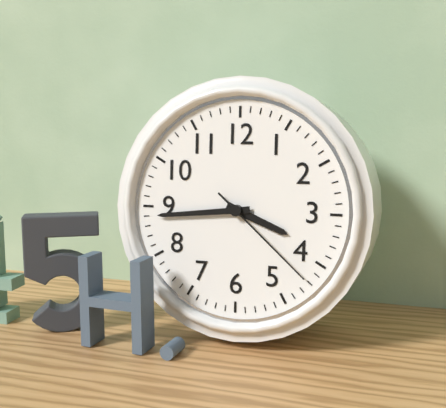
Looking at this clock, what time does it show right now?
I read 3:44:22
